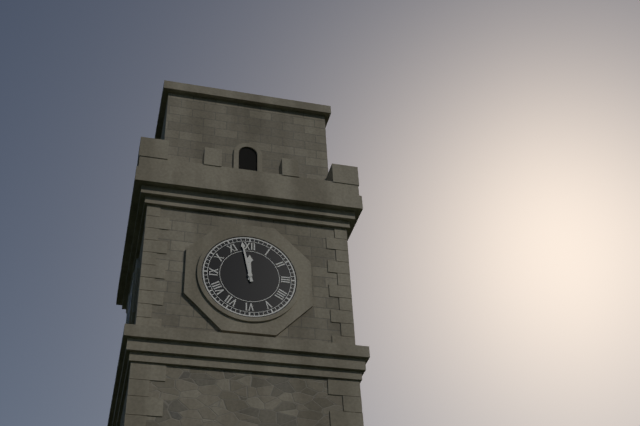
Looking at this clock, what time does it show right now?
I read 11:58
